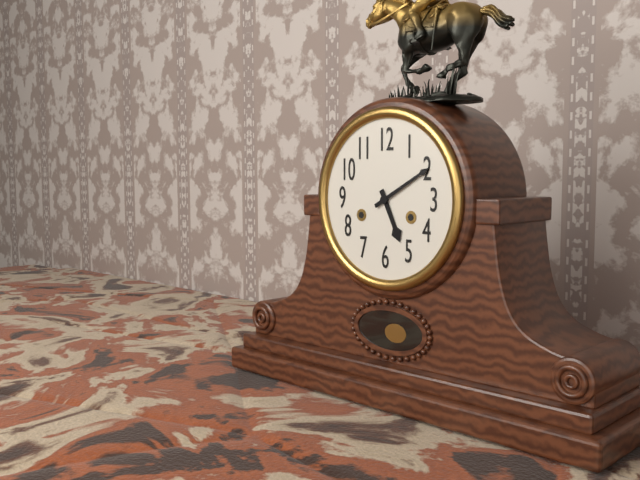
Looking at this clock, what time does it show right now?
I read 5:10
